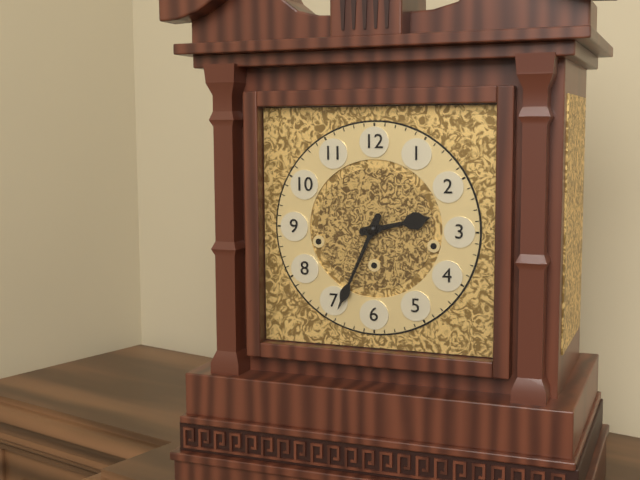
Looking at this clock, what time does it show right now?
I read 2:34
